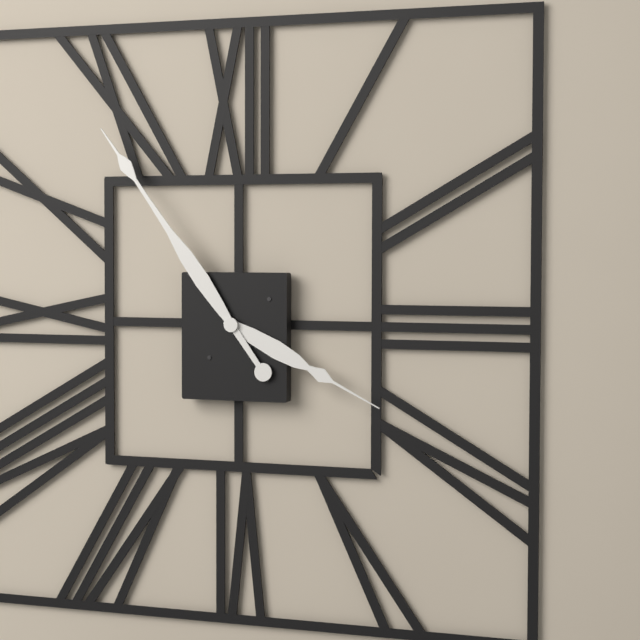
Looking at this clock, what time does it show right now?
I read 3:54
